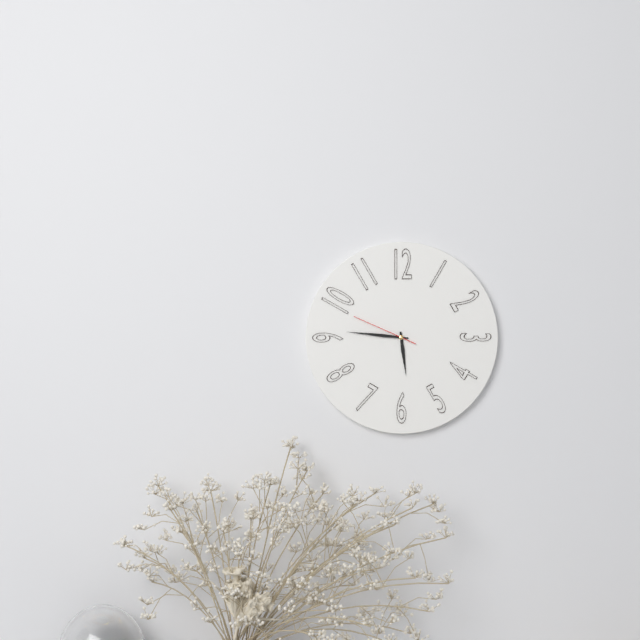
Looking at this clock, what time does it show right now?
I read 5:46:49
